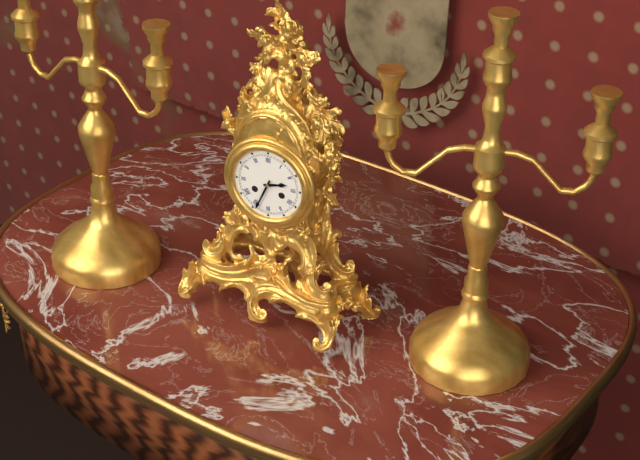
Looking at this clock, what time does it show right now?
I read 2:34
